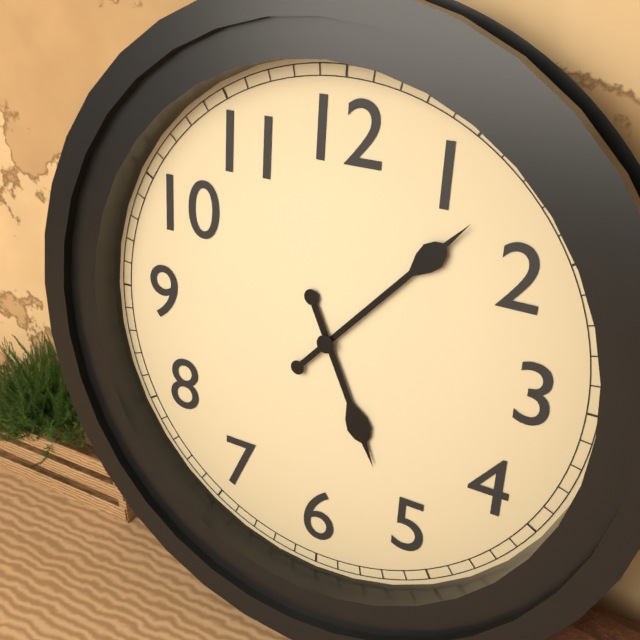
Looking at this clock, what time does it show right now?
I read 5:07
